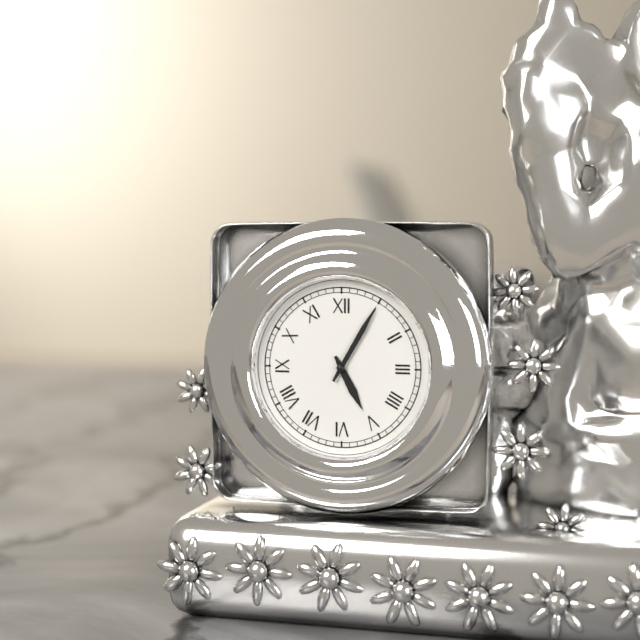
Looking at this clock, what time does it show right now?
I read 5:05
